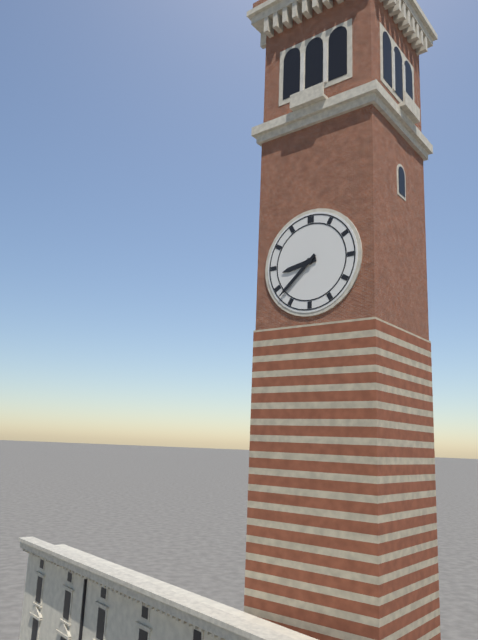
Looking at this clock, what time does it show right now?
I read 8:38
